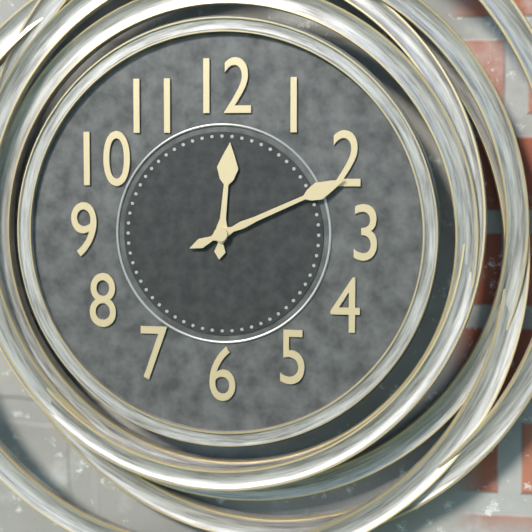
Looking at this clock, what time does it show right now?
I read 12:11
